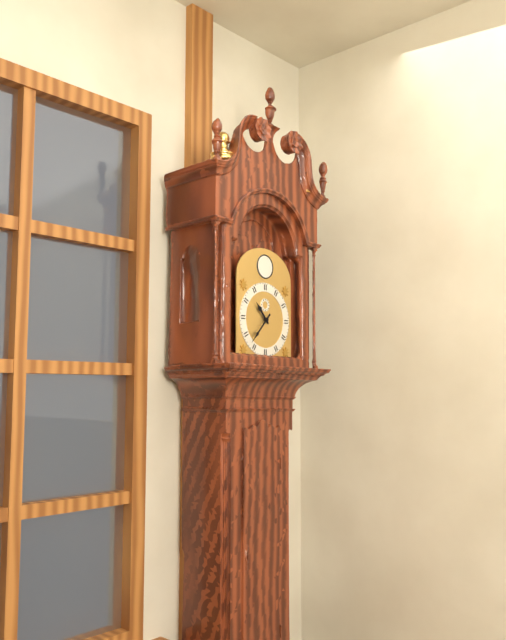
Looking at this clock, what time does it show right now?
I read 10:37
